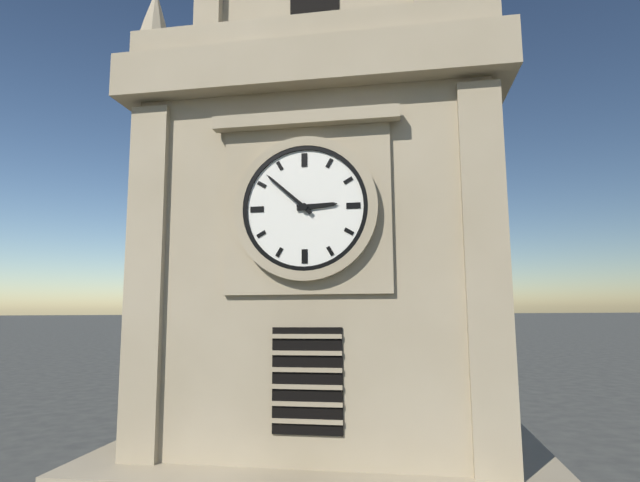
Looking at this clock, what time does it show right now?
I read 2:52
